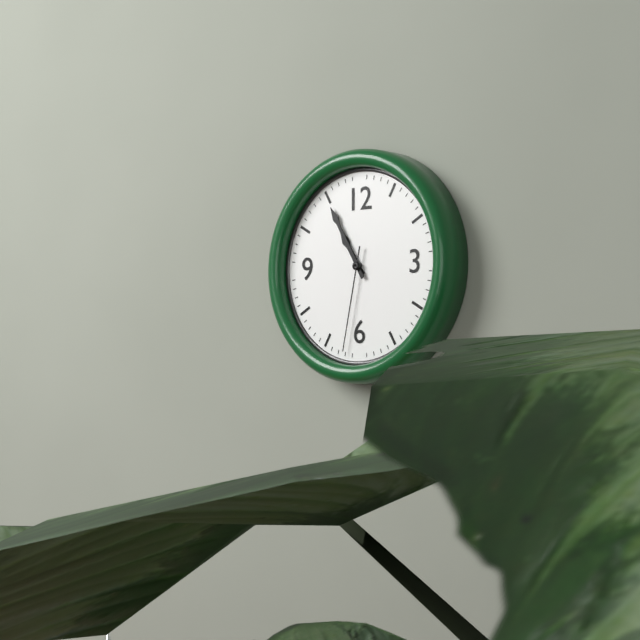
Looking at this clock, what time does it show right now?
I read 10:55:32
